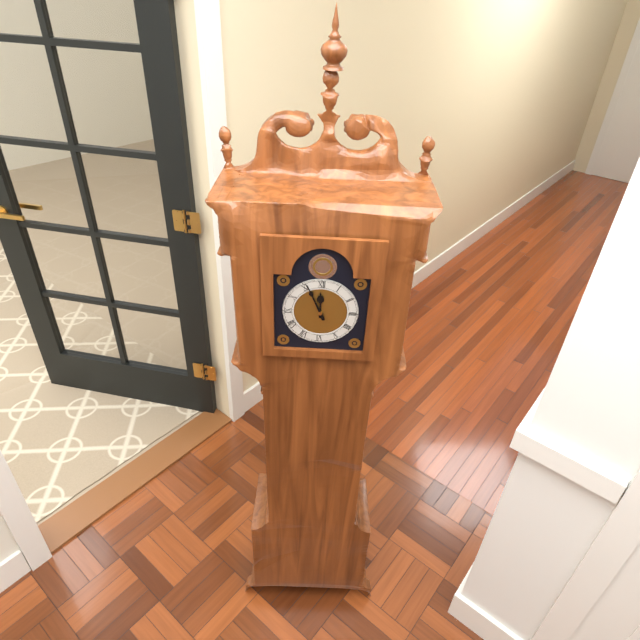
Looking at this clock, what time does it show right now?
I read 11:56
